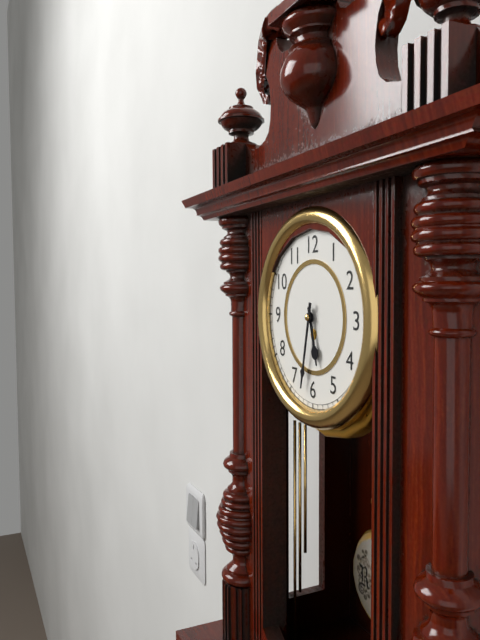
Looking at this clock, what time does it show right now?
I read 5:32
